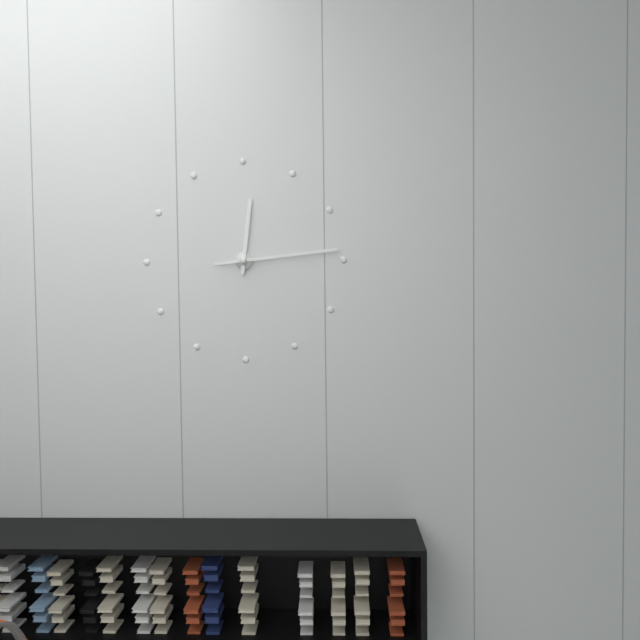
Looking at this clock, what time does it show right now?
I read 12:14
